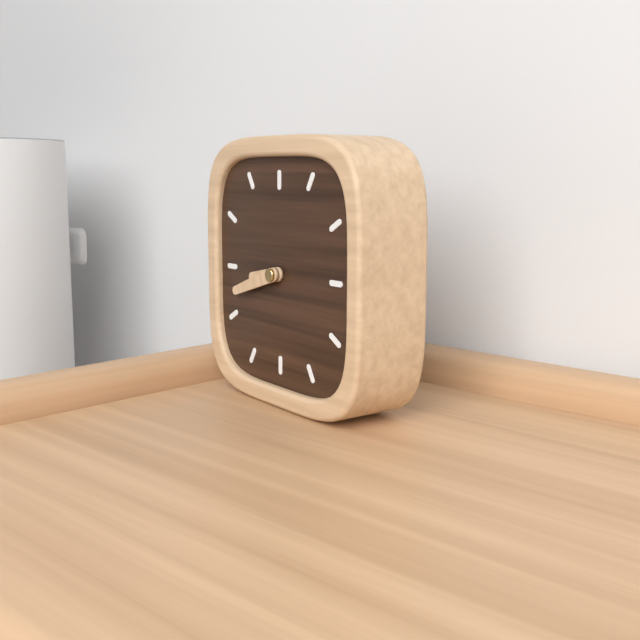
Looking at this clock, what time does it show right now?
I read 8:42
